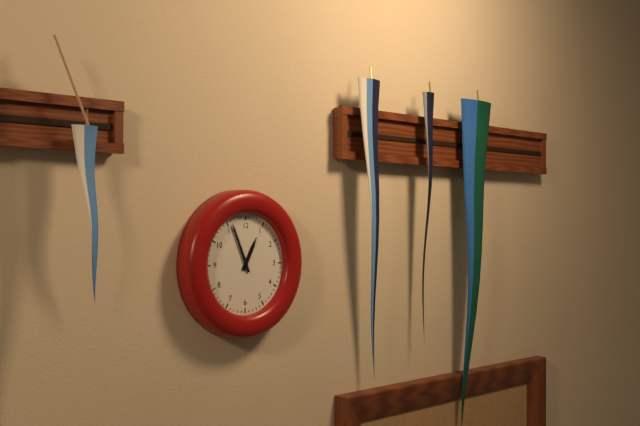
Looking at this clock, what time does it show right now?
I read 12:56
